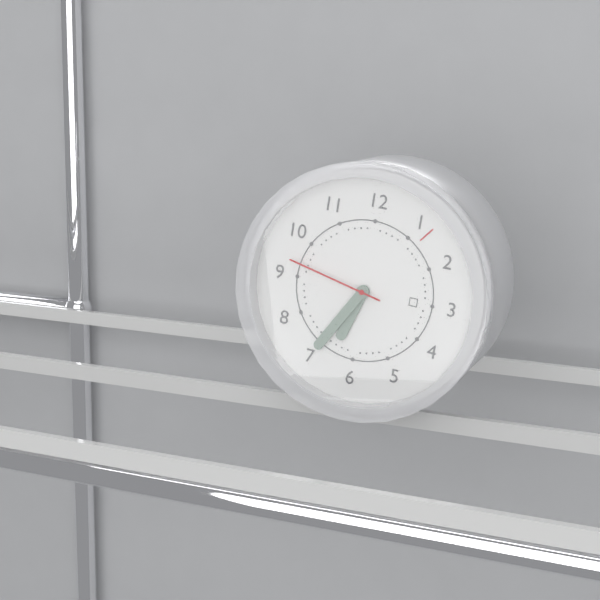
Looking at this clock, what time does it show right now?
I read 6:35:47
